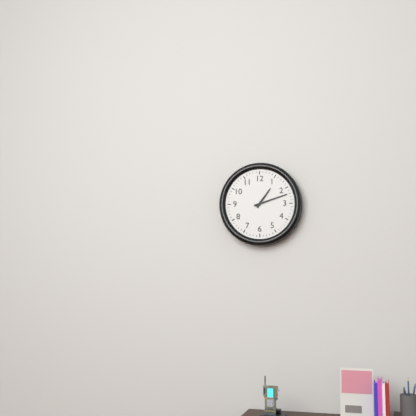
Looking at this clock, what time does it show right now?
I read 1:12
